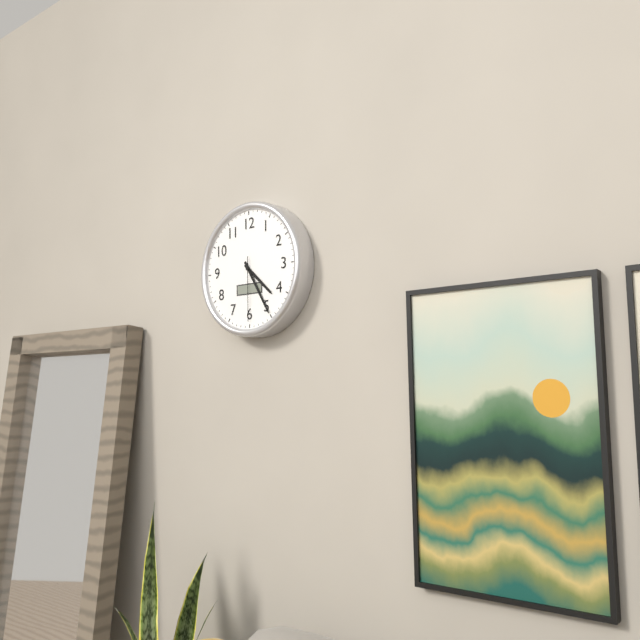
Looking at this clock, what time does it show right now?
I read 4:25:30
